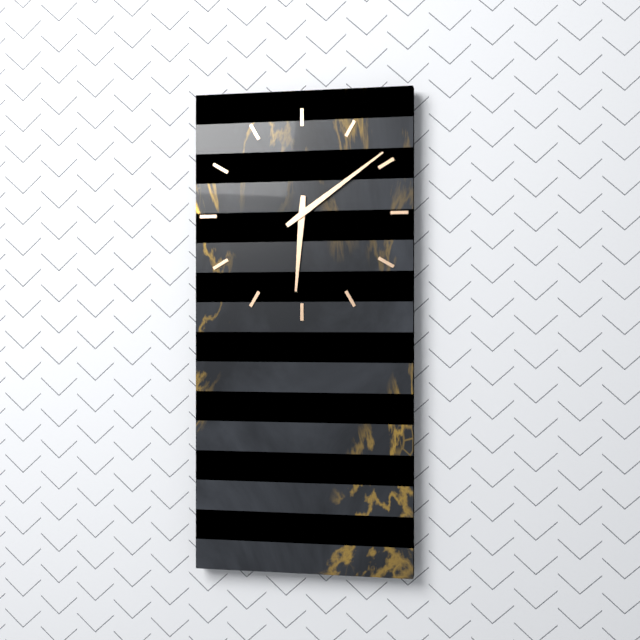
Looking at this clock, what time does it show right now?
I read 6:09
